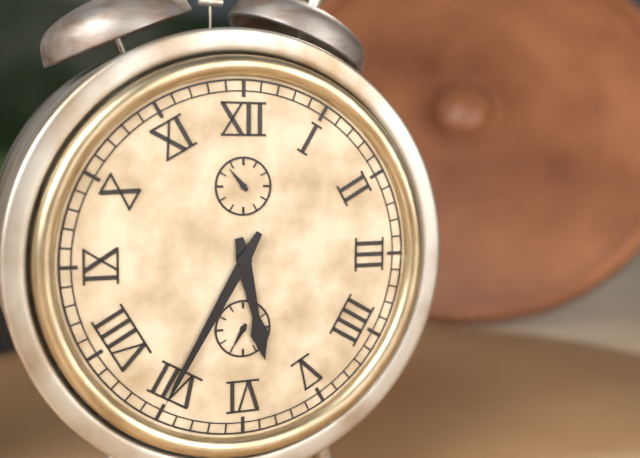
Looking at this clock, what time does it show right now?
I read 5:35
